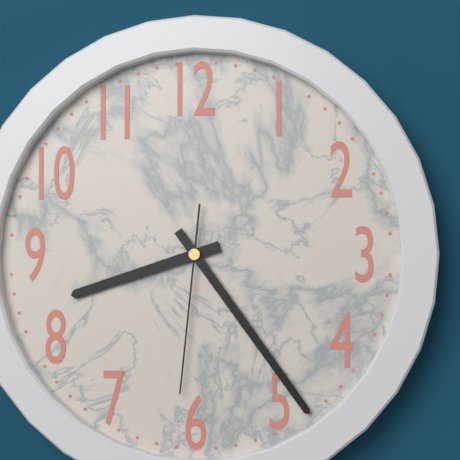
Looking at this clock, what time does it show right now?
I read 8:24:31
